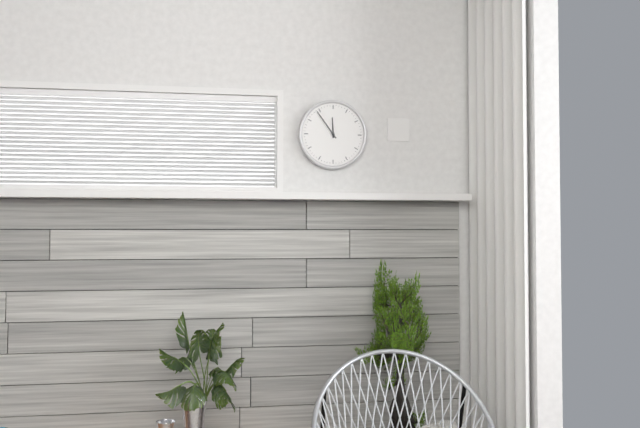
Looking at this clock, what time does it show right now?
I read 11:54
